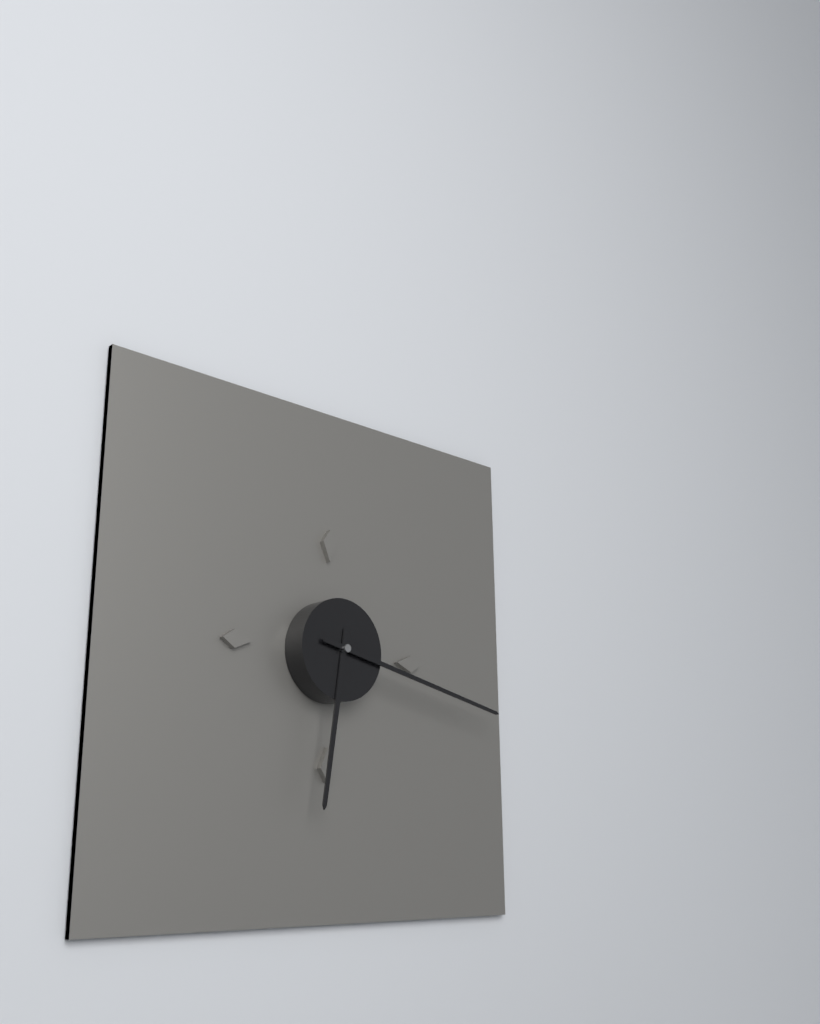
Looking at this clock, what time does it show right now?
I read 6:17
